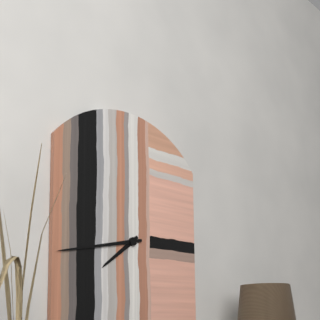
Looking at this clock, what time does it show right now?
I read 7:43
